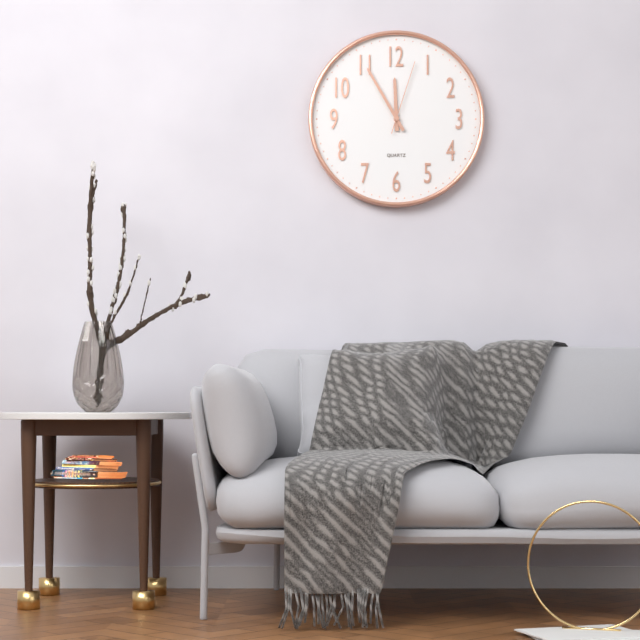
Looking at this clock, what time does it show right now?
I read 11:55:03
